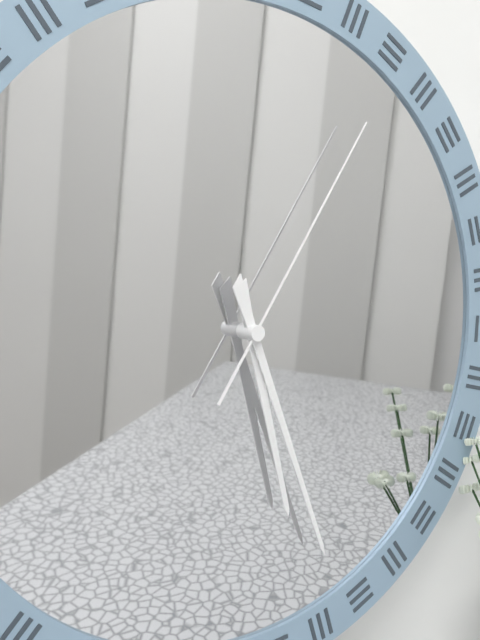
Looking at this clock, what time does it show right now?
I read 5:26:05
